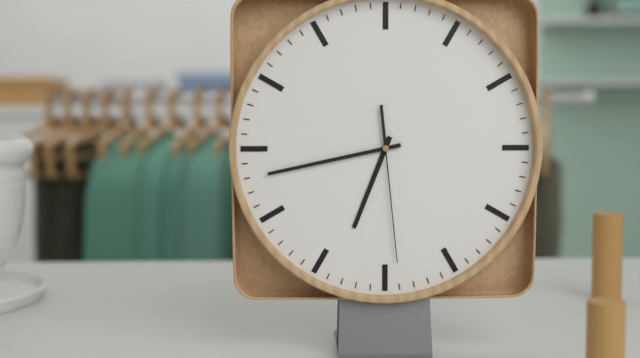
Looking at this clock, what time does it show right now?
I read 6:43:29
